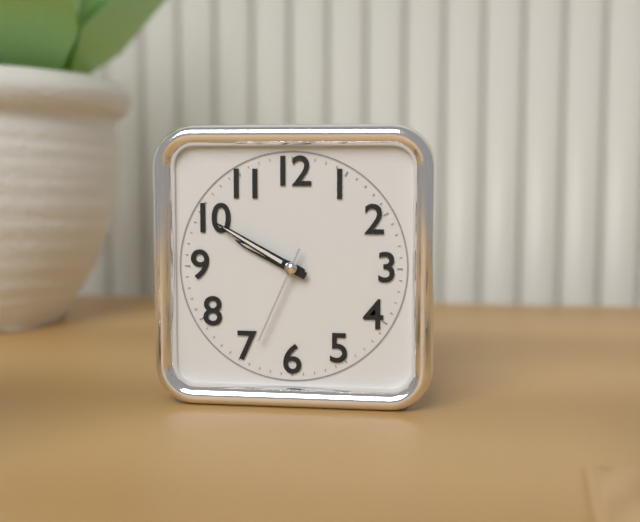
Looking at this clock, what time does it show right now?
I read 9:50:34
